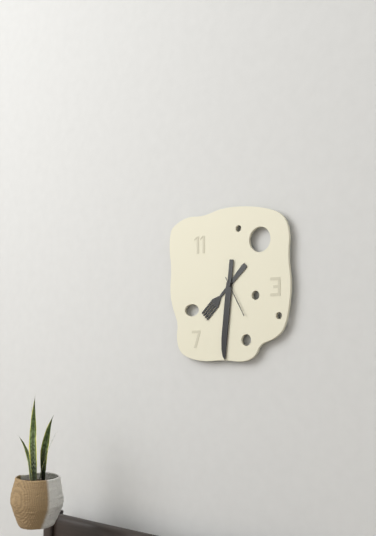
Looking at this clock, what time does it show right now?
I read 7:31
